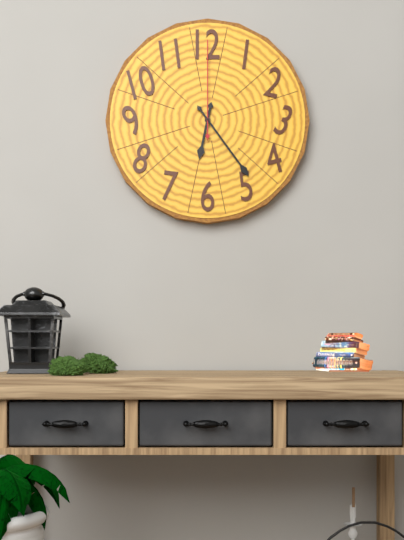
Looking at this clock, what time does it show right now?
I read 6:24:00
